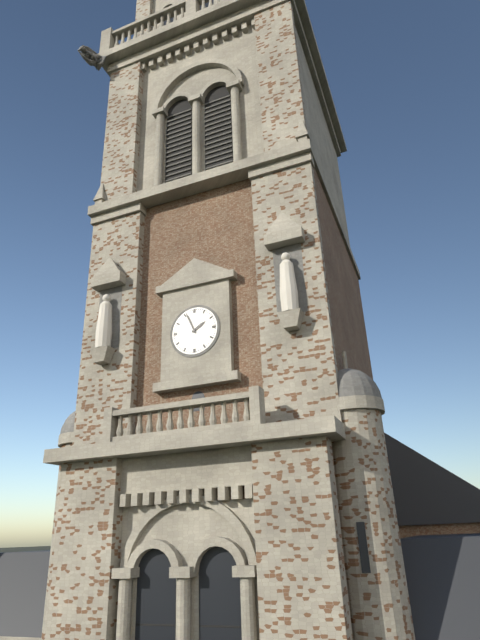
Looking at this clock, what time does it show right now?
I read 1:56
